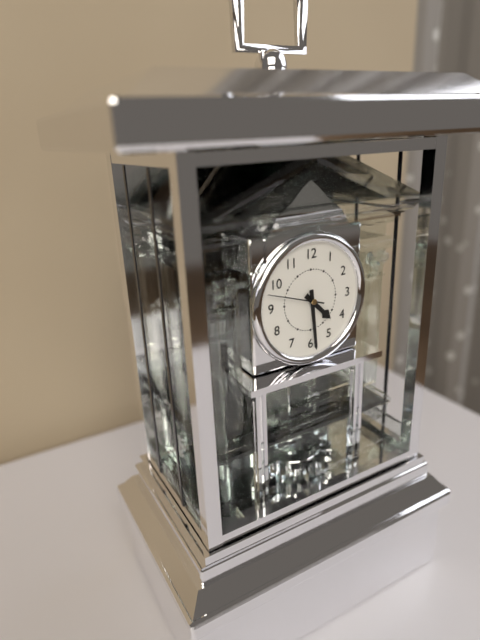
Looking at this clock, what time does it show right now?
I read 4:29:48
